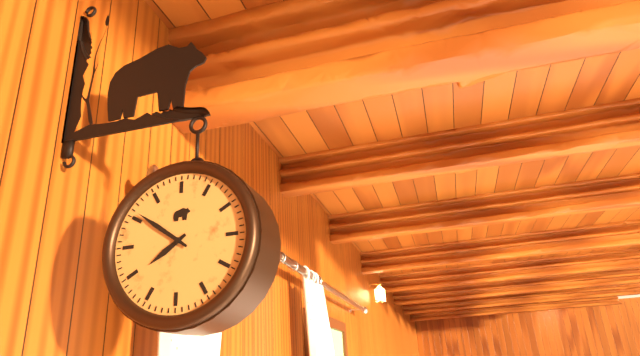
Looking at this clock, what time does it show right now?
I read 7:51
